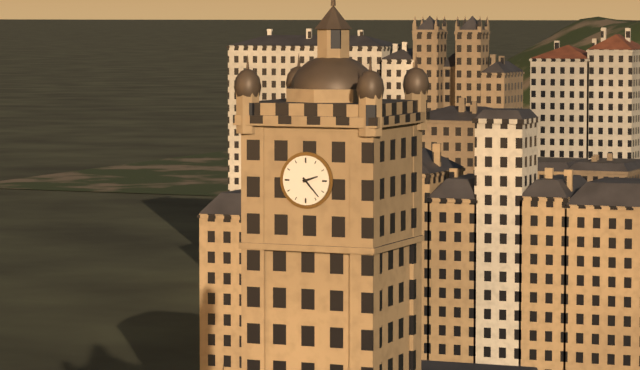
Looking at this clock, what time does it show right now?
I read 2:23
